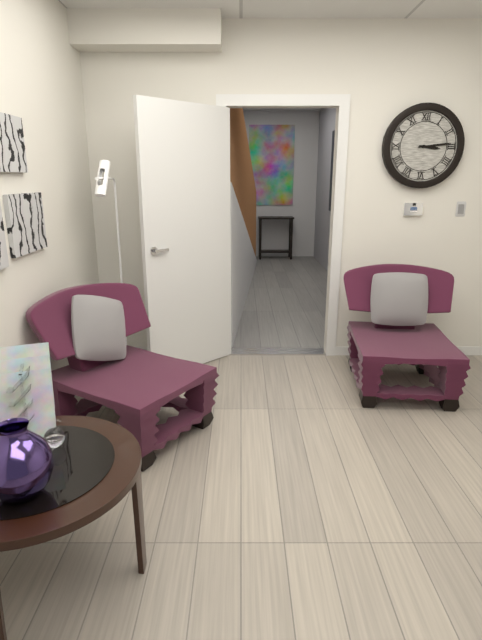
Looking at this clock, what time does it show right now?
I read 3:14
